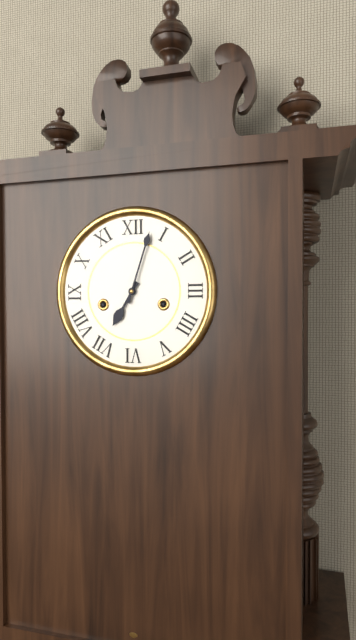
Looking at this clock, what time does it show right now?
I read 7:03
